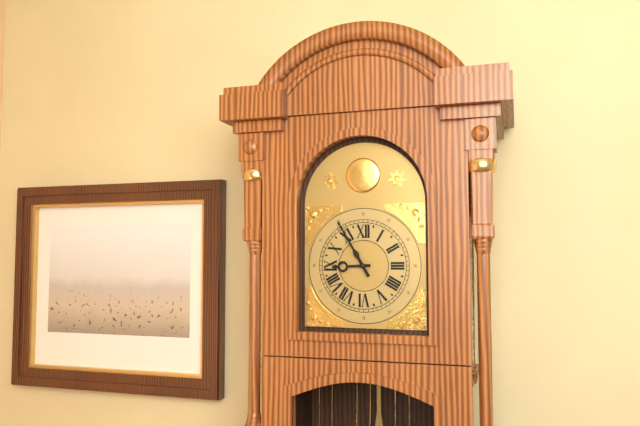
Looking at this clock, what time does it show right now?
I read 8:55
